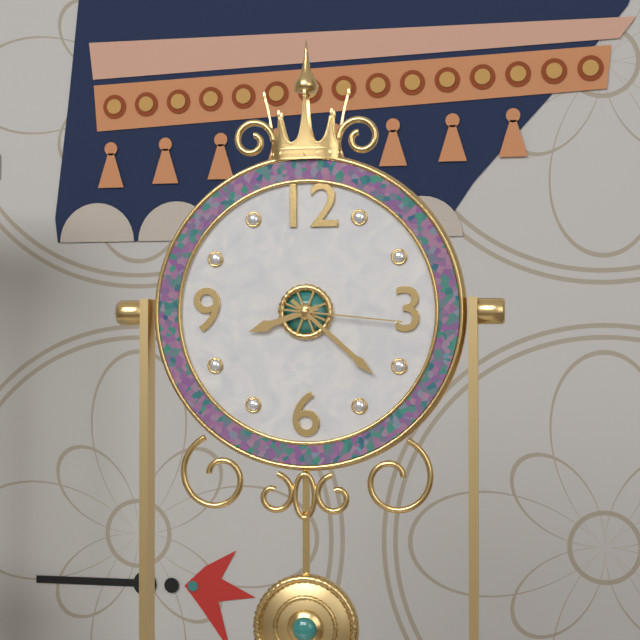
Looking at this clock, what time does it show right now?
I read 8:22:16
